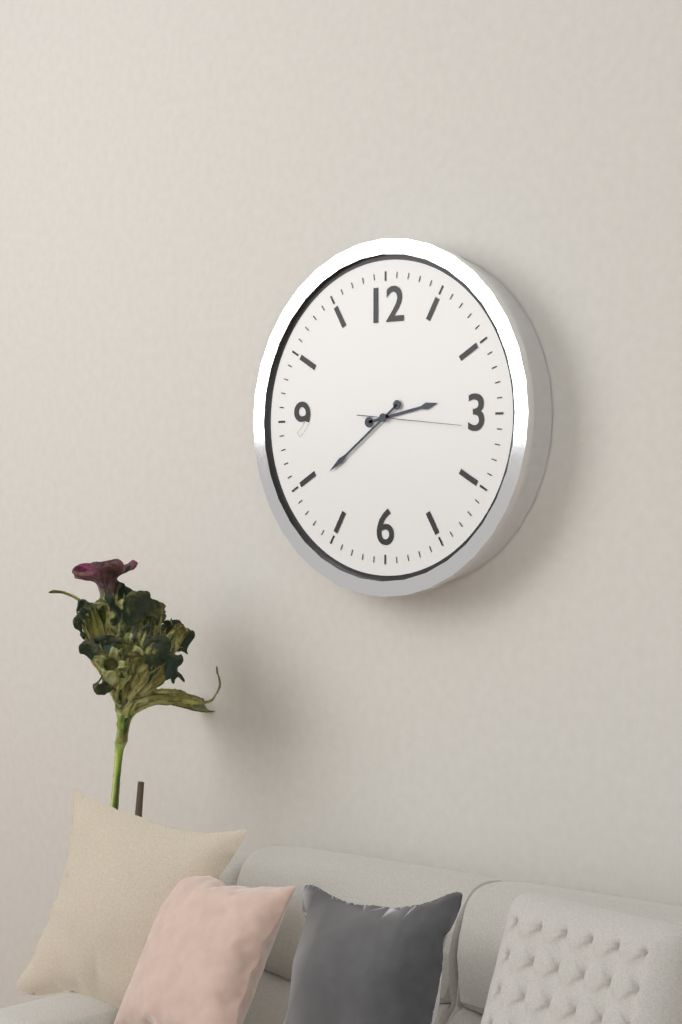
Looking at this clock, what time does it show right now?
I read 2:39:16
